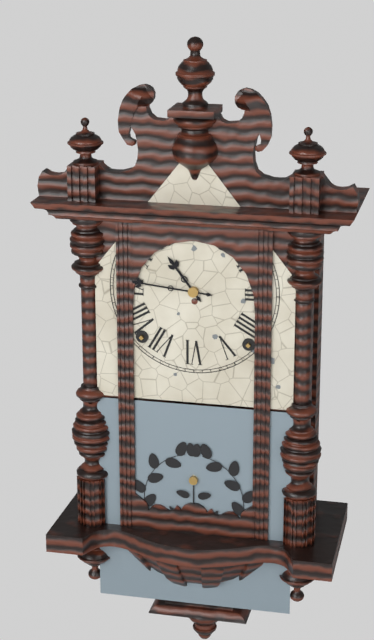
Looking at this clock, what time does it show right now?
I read 10:46
